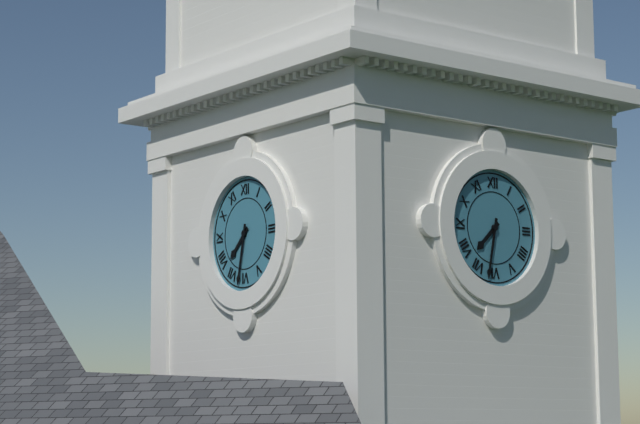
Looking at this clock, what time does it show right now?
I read 7:32
